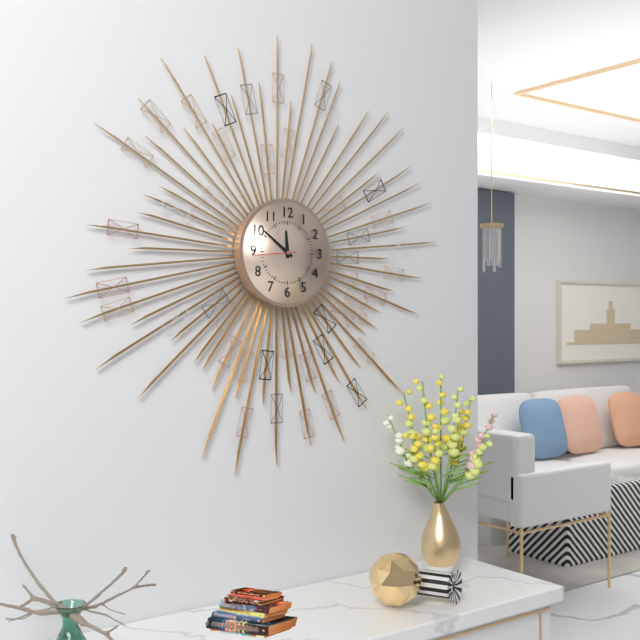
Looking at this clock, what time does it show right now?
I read 11:51
